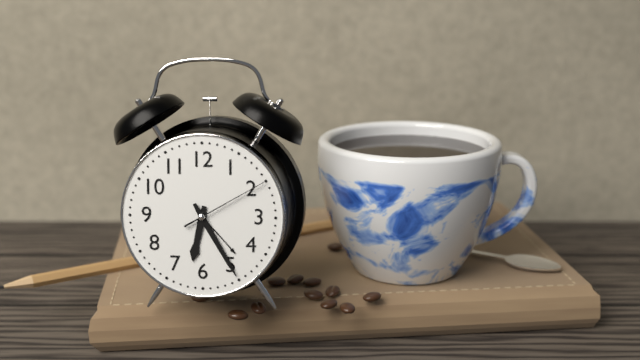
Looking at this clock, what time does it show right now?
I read 6:25:10
